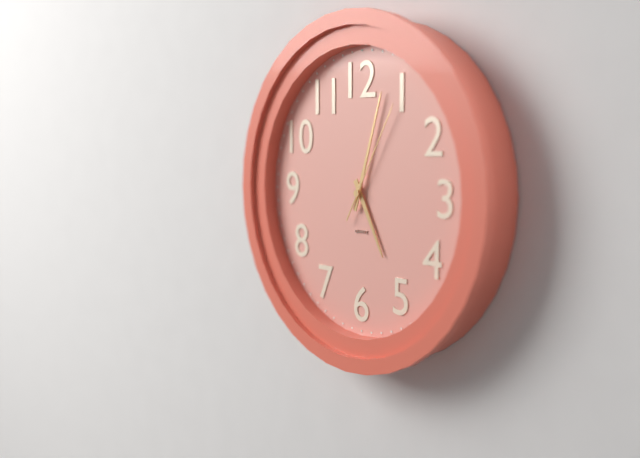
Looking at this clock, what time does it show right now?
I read 5:03:05
